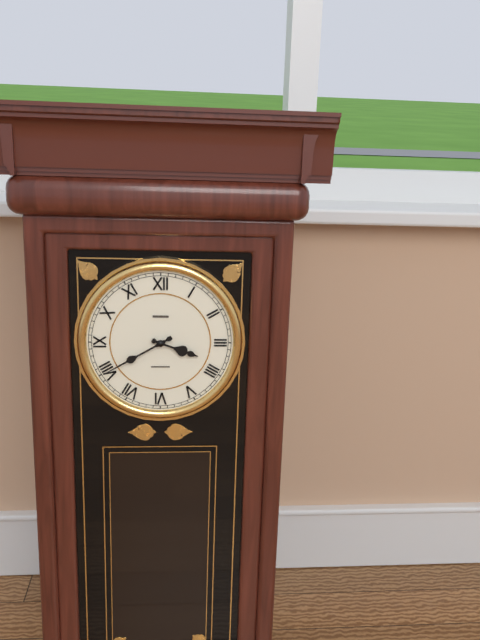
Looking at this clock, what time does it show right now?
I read 3:40
